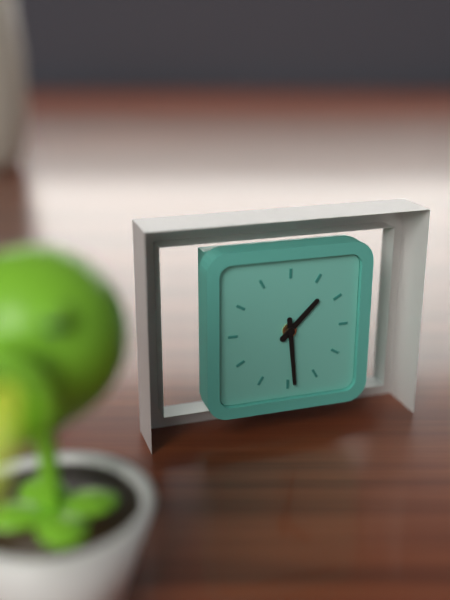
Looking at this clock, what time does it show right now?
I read 1:29
